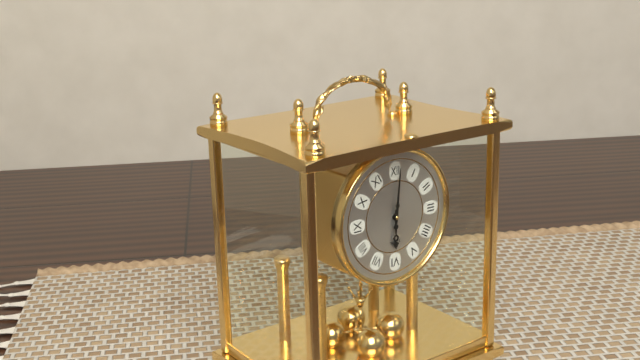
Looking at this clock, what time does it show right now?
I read 6:01
